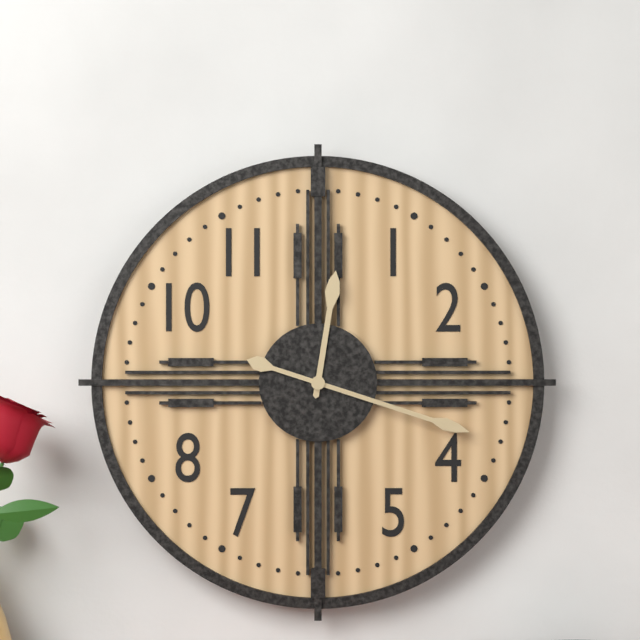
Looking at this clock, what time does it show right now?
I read 12:18
